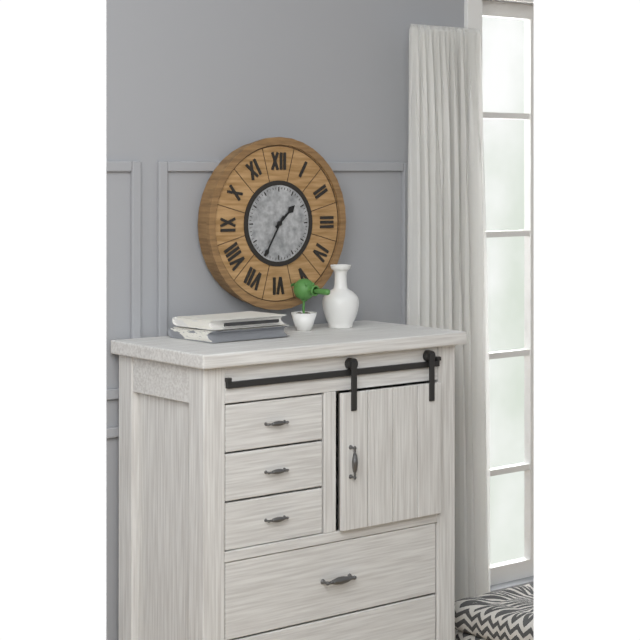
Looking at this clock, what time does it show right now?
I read 1:35
